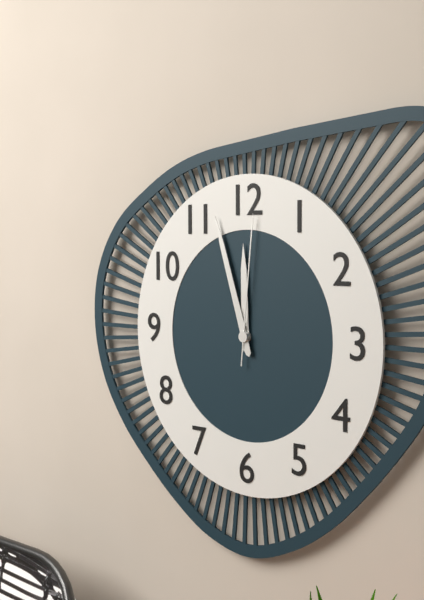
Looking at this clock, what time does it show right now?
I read 11:57:01
